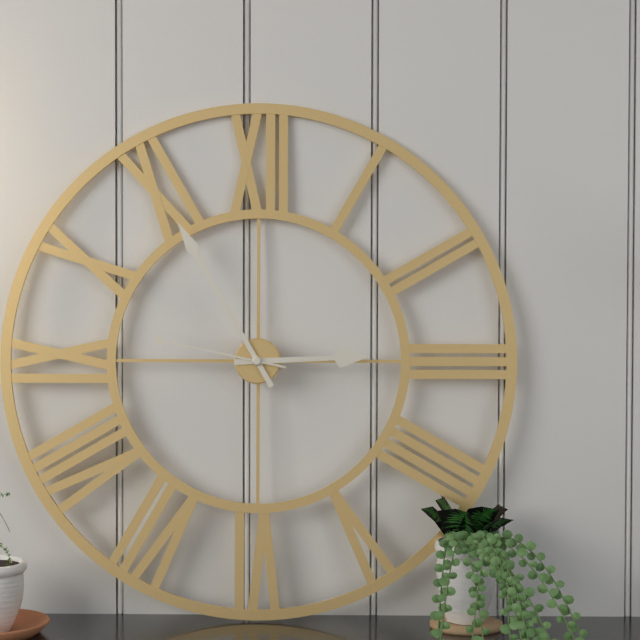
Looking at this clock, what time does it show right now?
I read 2:55:47
